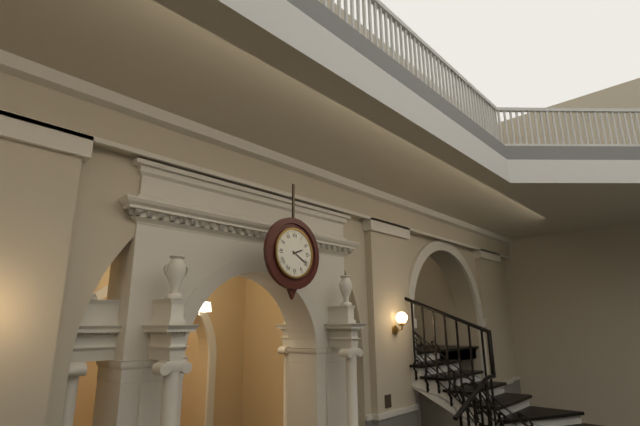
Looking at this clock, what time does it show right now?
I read 2:20
